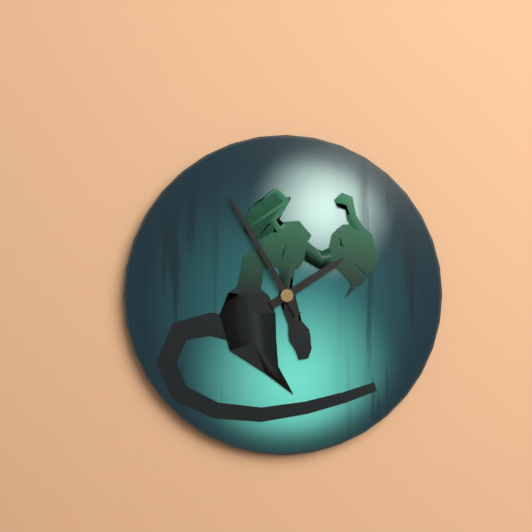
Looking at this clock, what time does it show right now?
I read 1:55
